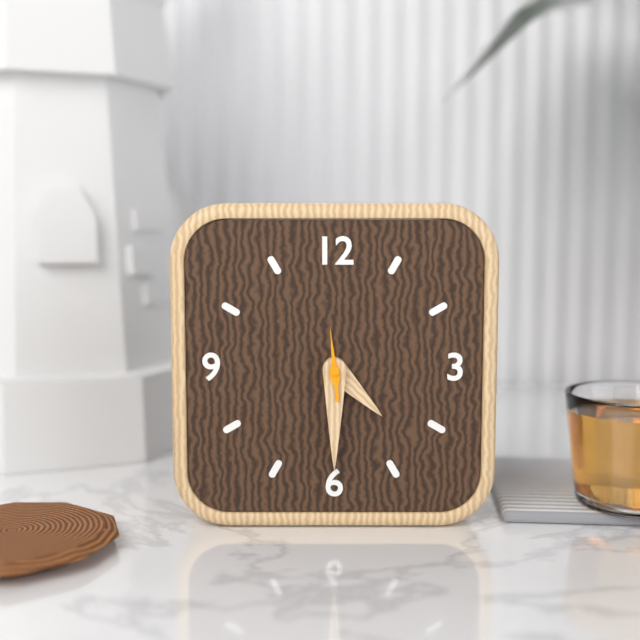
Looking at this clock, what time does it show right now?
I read 4:30:59
